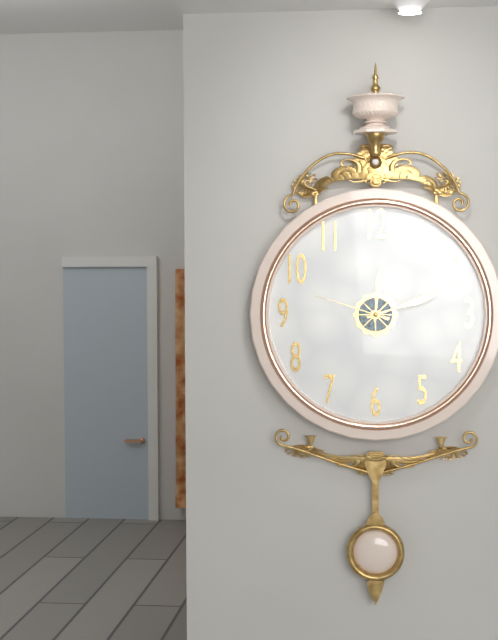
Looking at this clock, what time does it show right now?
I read 12:12:48
